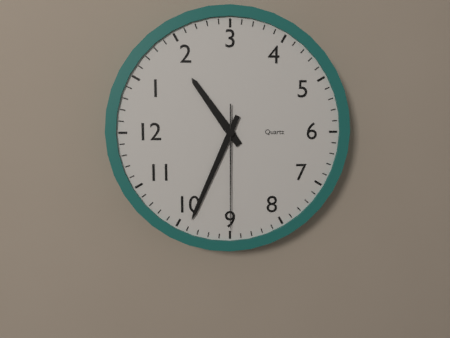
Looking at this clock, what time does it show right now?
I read 1:49:45
